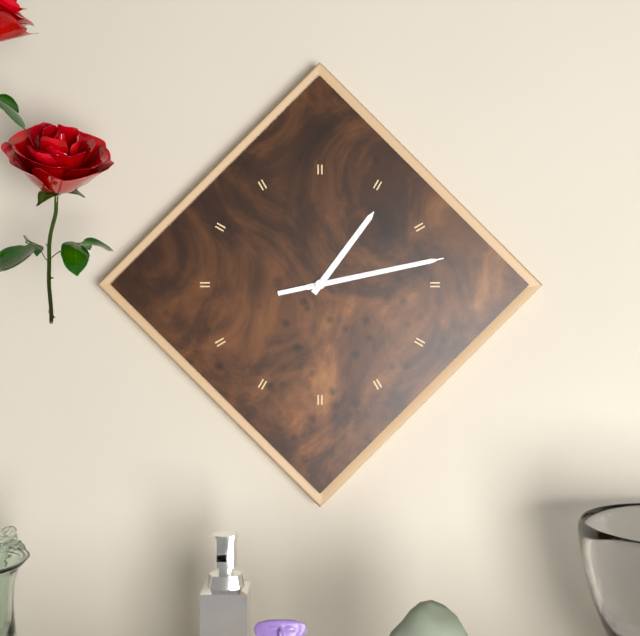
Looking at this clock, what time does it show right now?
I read 1:13:13
